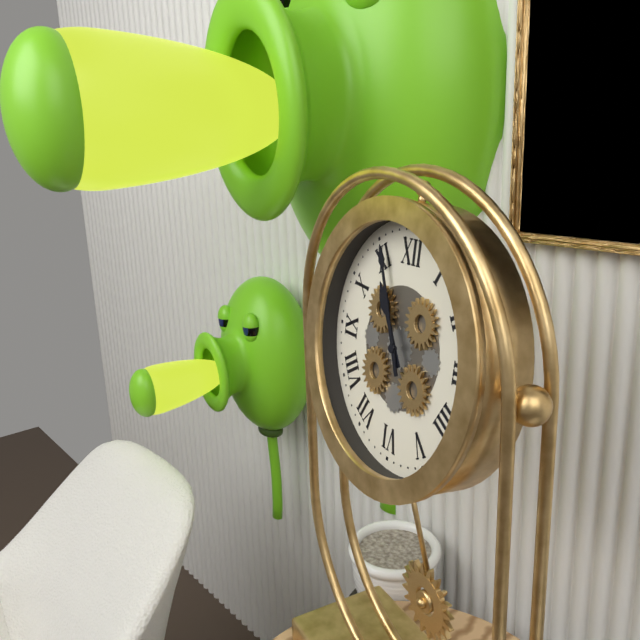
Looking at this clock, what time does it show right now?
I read 10:56
